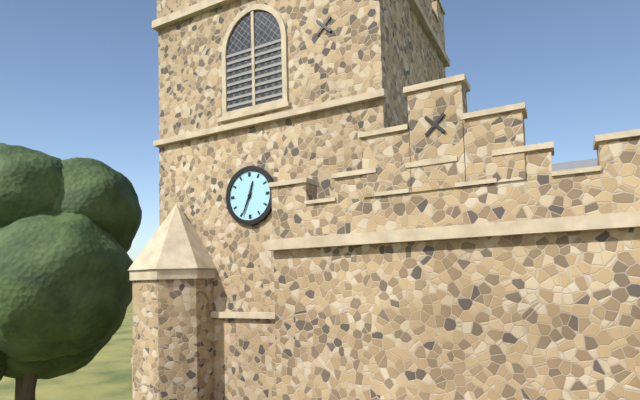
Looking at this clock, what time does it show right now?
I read 12:34
